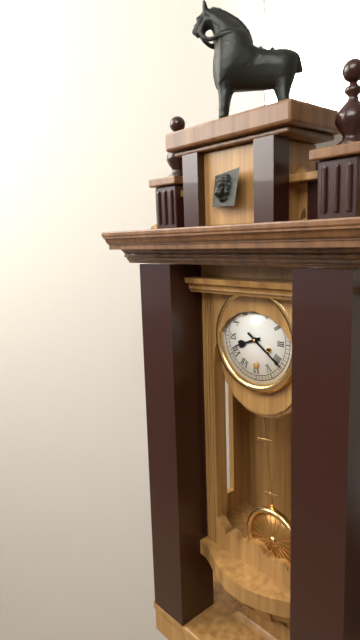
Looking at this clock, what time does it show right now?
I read 8:21
